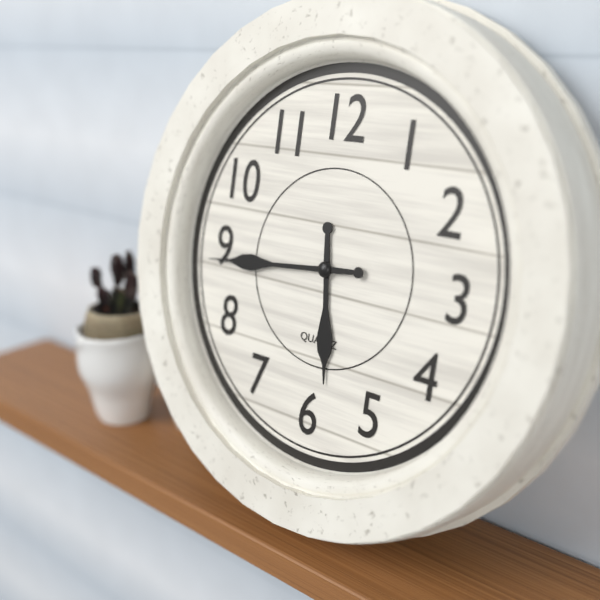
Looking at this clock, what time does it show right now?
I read 5:44
